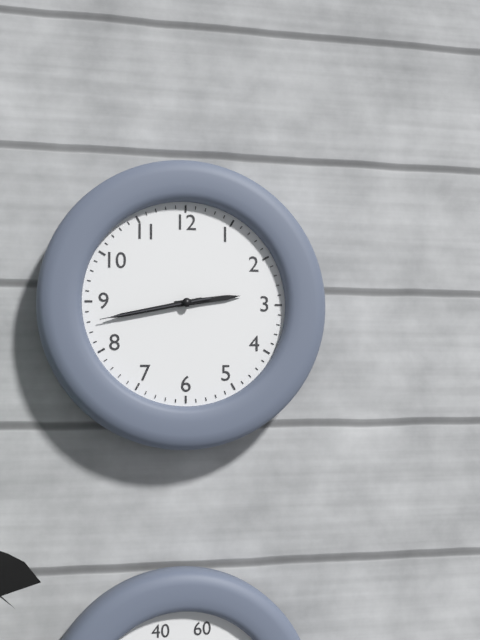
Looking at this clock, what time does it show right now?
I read 2:43:43
